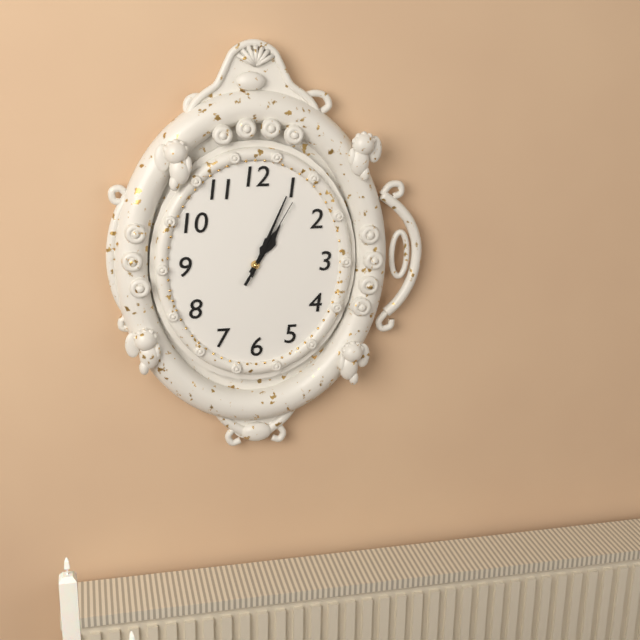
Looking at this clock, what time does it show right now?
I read 1:04:05
